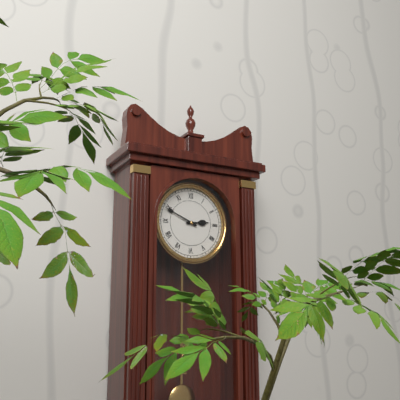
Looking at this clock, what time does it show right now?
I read 2:49
